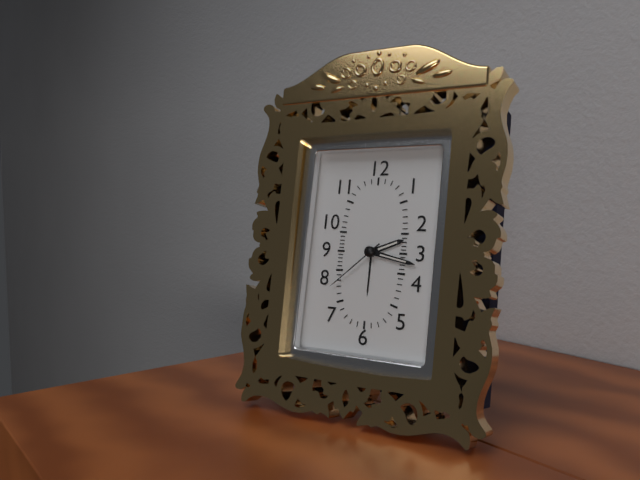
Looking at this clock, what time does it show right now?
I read 2:17:38
